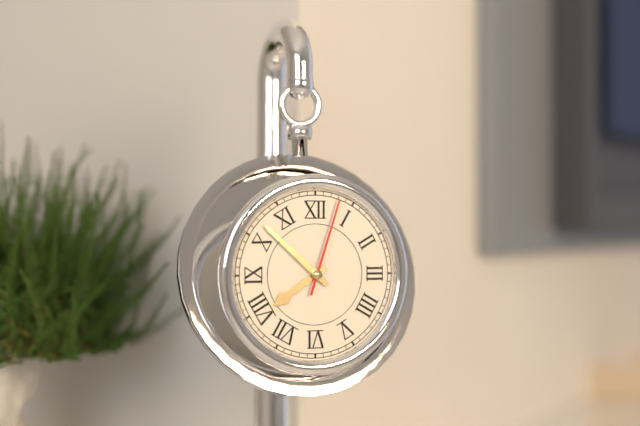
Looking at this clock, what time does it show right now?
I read 7:52:03
